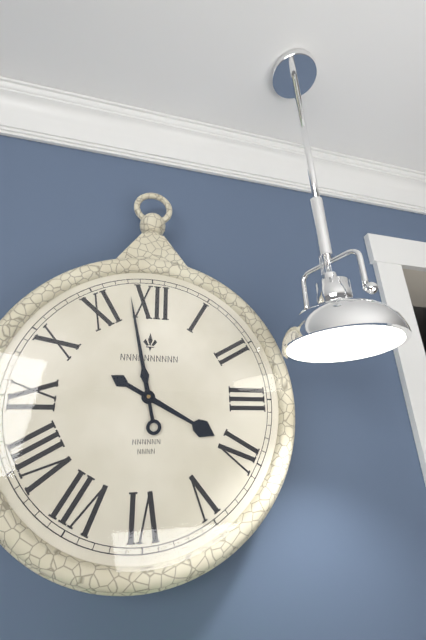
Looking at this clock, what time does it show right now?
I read 3:58
